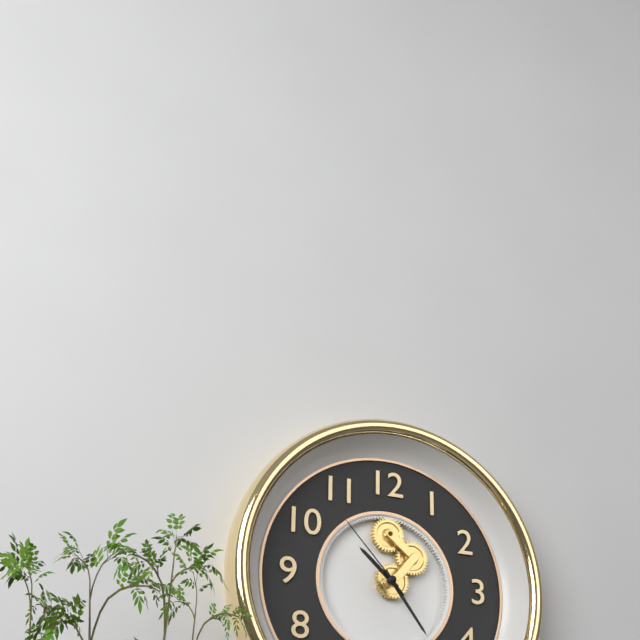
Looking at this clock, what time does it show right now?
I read 10:24:53
